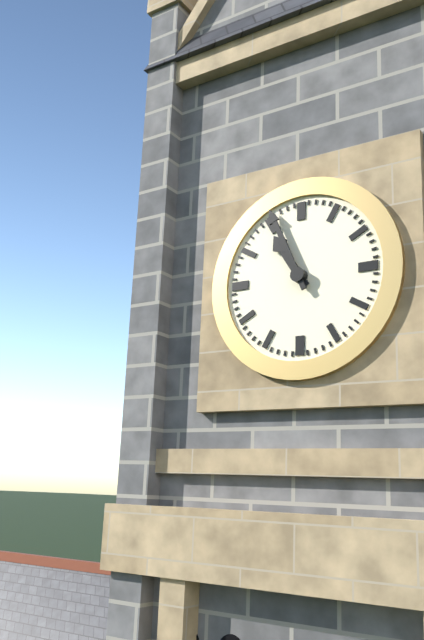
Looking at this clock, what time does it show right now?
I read 10:56
